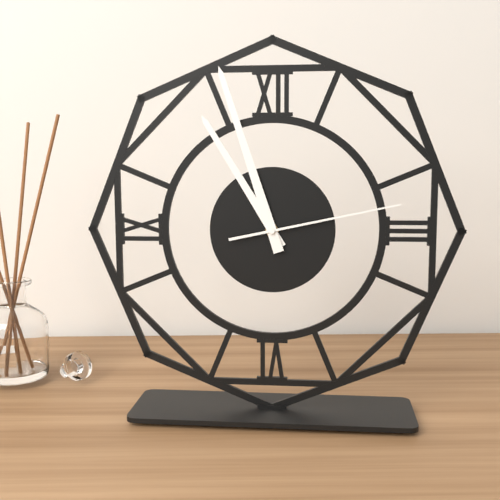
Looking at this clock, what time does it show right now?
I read 10:57:13
